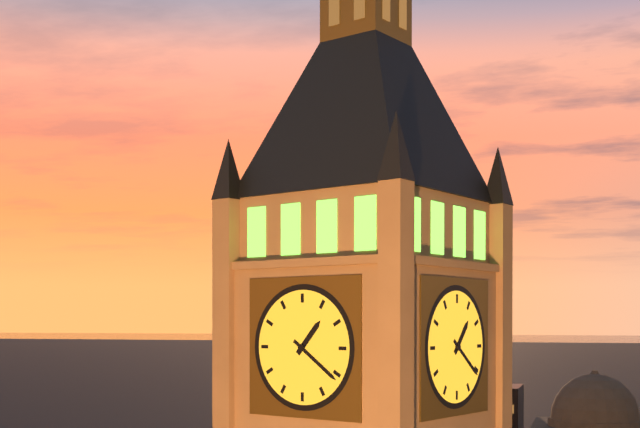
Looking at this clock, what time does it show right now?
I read 1:21
